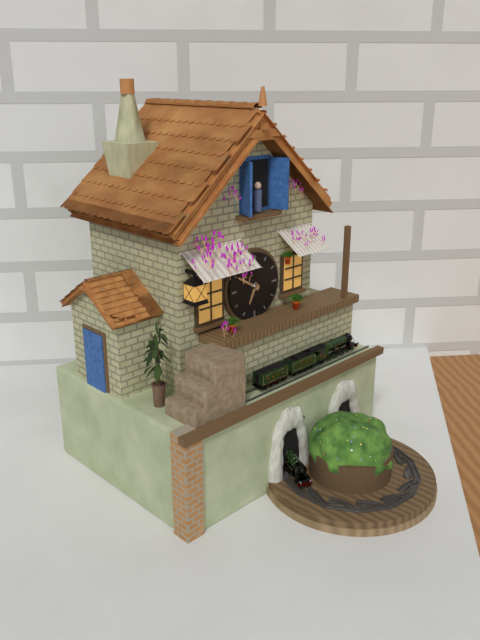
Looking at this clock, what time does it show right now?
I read 6:50
